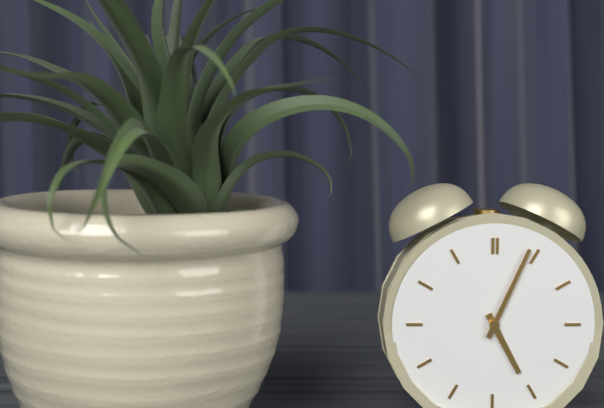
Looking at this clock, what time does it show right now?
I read 5:04
